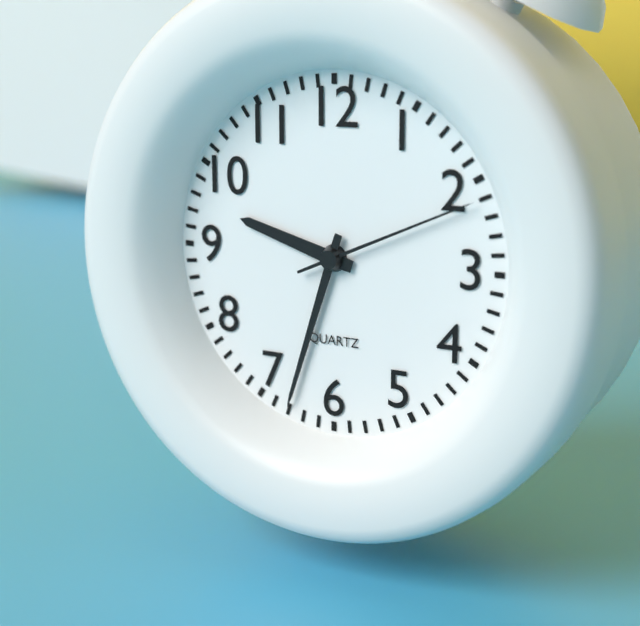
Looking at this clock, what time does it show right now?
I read 9:33:11
